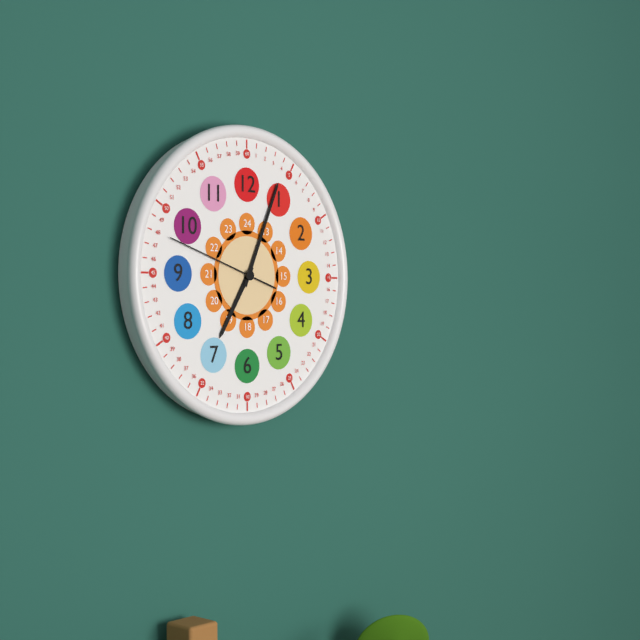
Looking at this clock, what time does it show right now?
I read 7:04:48
